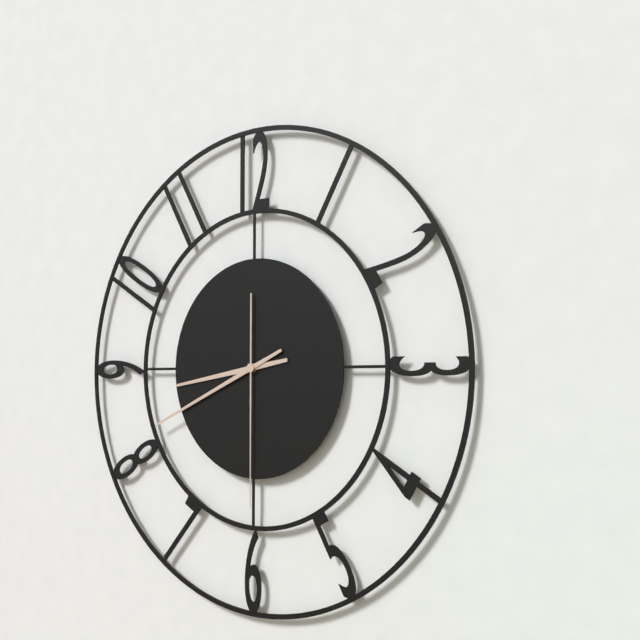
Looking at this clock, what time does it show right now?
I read 8:41:30
